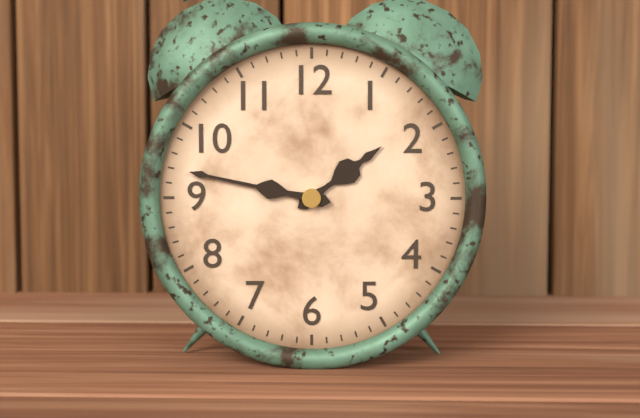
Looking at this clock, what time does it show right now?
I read 1:47
